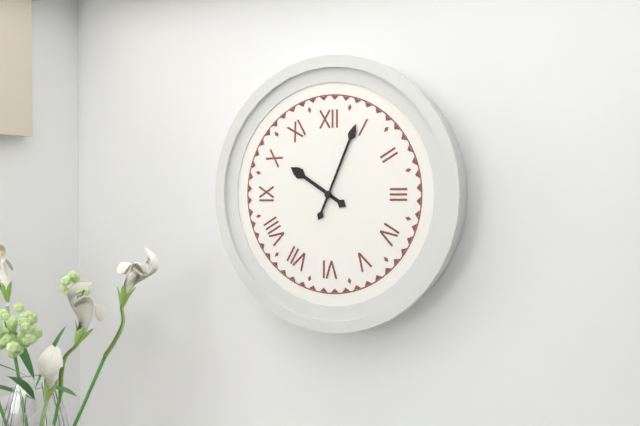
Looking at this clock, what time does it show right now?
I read 10:04
